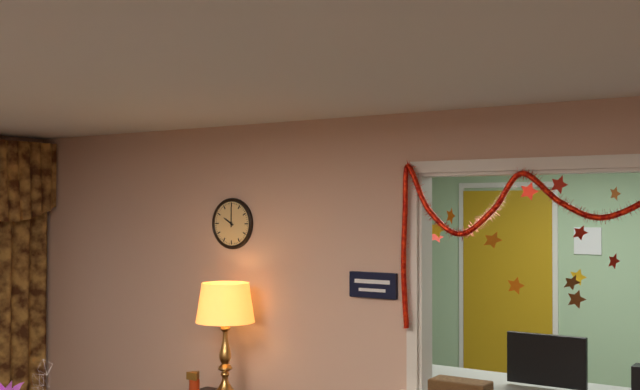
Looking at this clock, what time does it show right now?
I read 10:00
